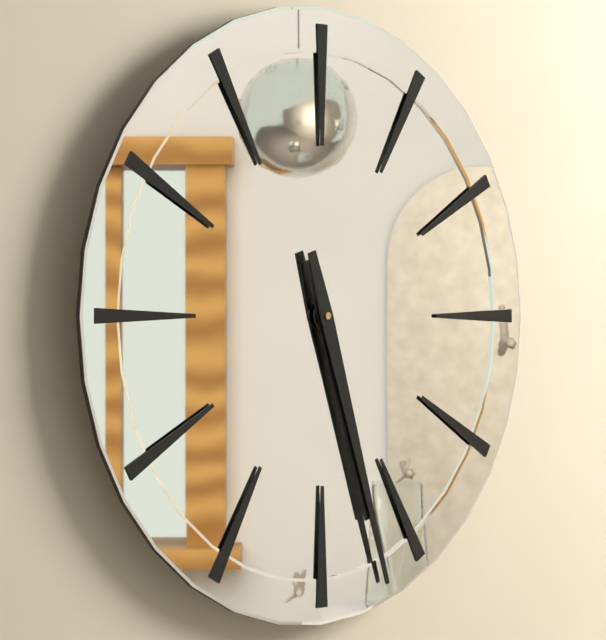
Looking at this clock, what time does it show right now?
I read 5:27
